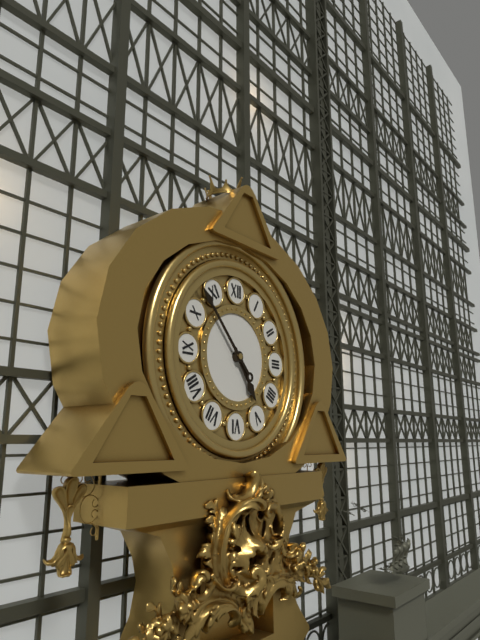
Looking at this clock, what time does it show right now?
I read 4:53
